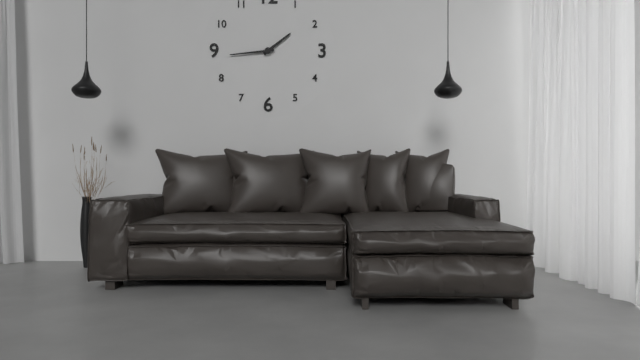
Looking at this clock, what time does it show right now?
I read 1:44
